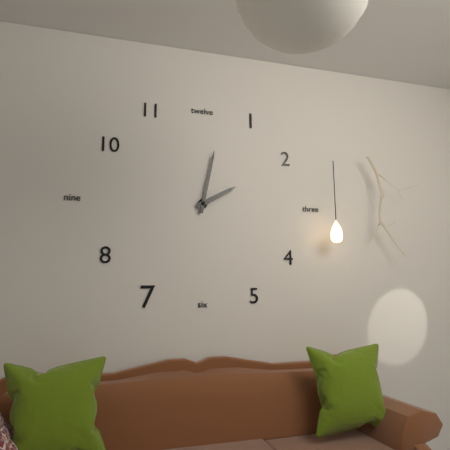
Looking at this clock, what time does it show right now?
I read 2:02
